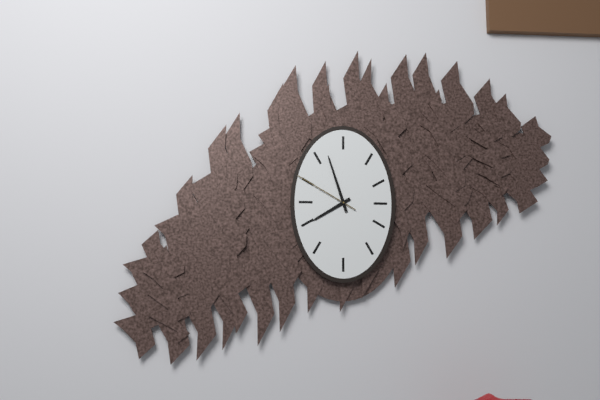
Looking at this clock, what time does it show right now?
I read 7:57:50
